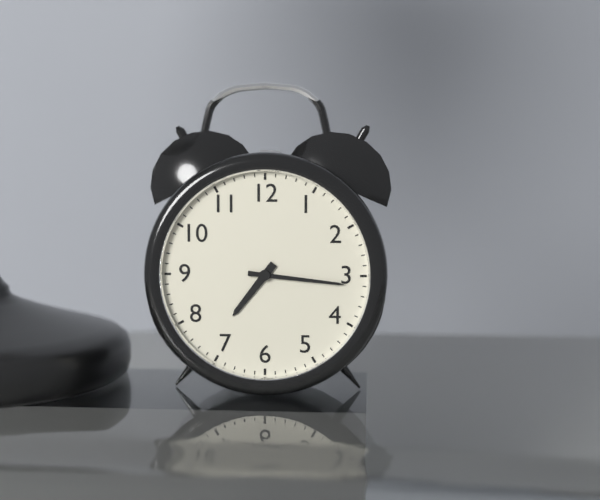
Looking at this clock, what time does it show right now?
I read 7:16
